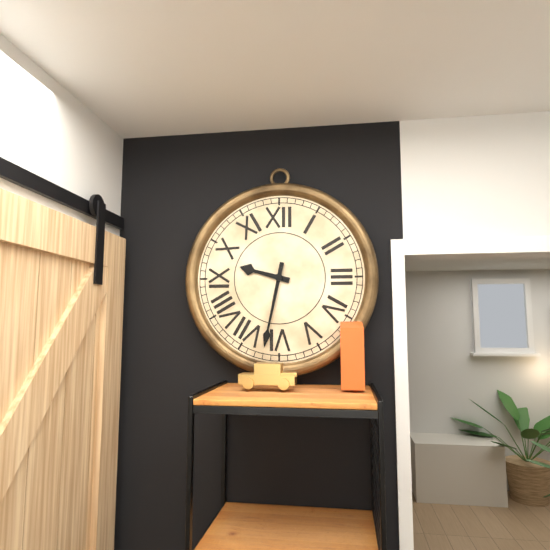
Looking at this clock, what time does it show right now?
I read 9:32
